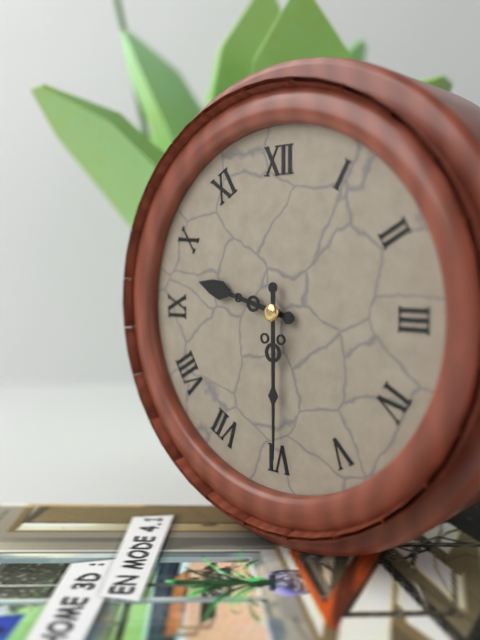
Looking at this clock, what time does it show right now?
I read 9:30
